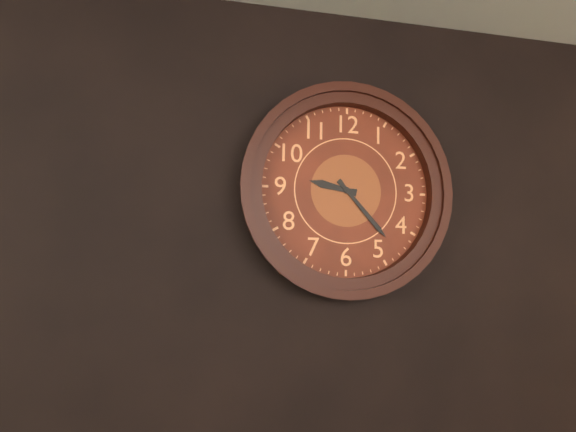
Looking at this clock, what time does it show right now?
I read 9:23
